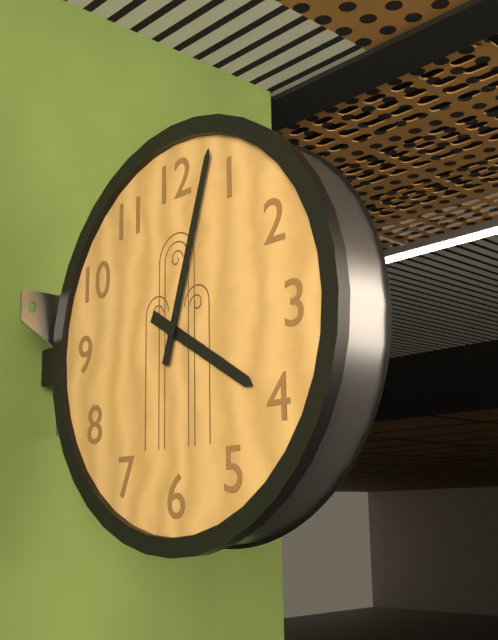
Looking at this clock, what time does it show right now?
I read 4:03
